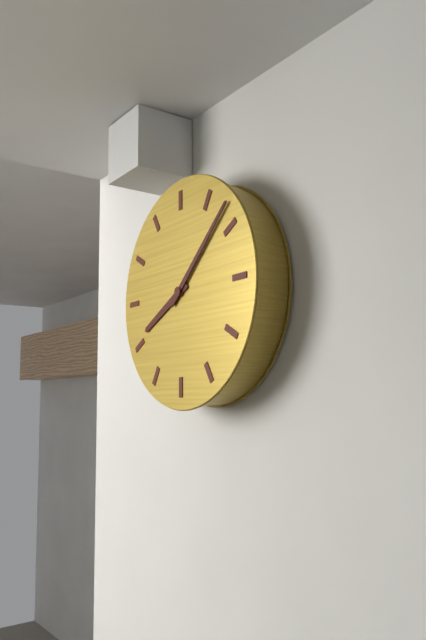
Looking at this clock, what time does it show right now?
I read 8:08
